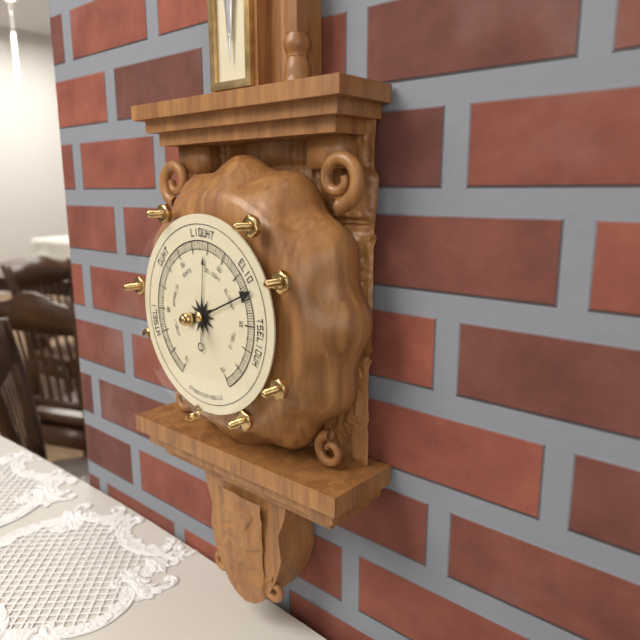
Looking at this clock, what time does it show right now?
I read 12:11
